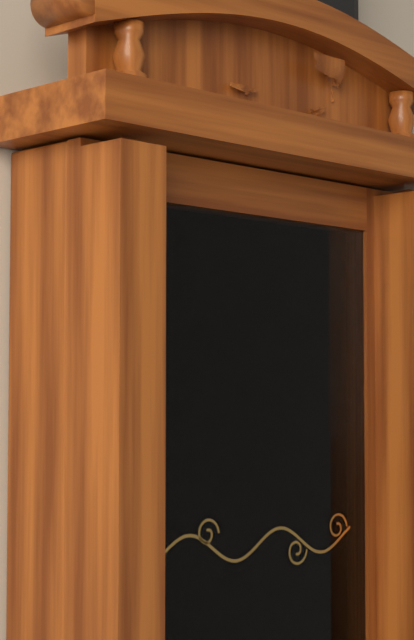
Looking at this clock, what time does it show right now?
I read 7:33:09
